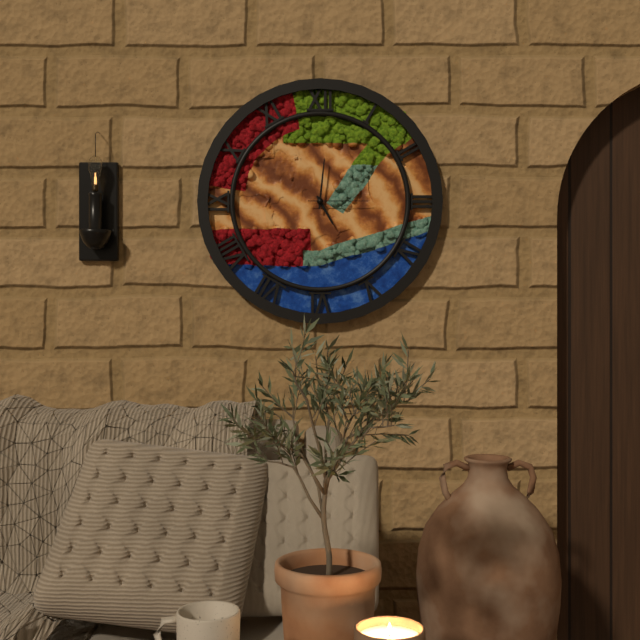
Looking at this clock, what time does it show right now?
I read 5:01:15
